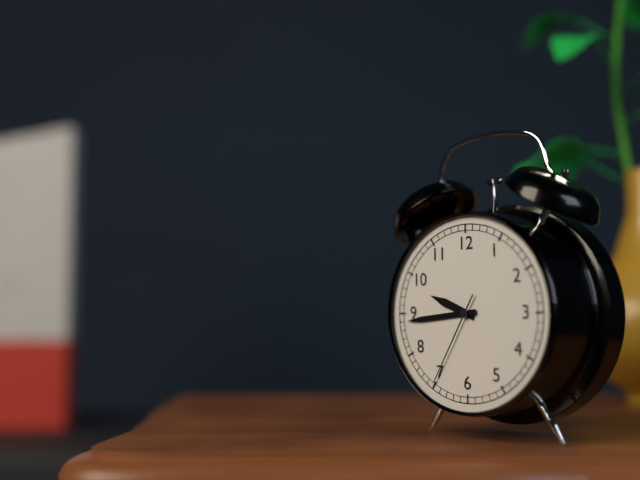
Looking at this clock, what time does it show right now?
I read 9:44:35
